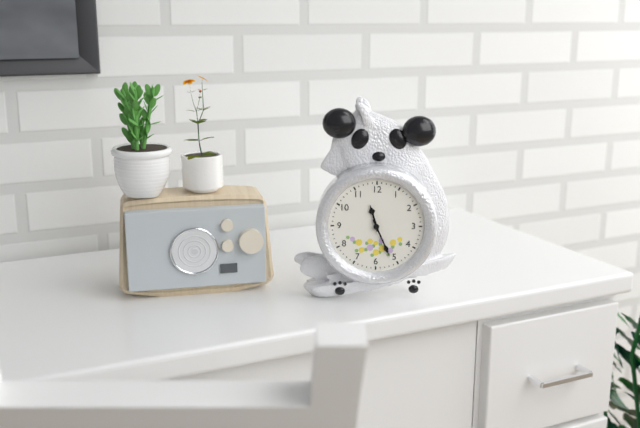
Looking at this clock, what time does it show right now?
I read 11:26
